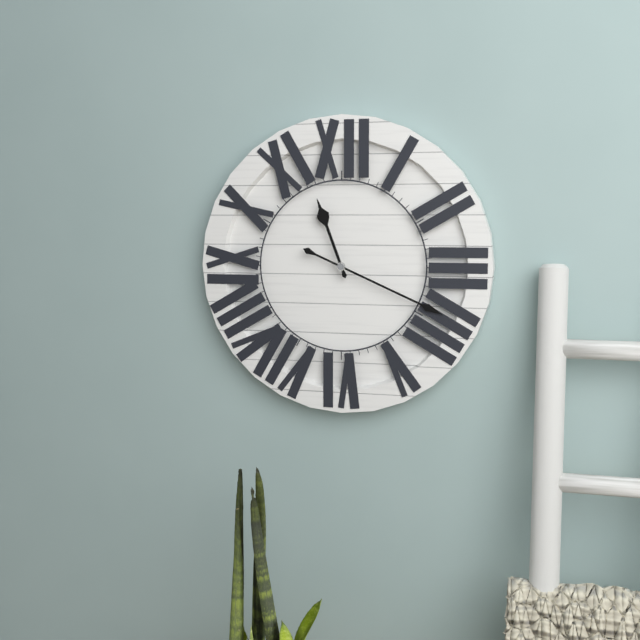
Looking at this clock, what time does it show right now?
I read 11:19
